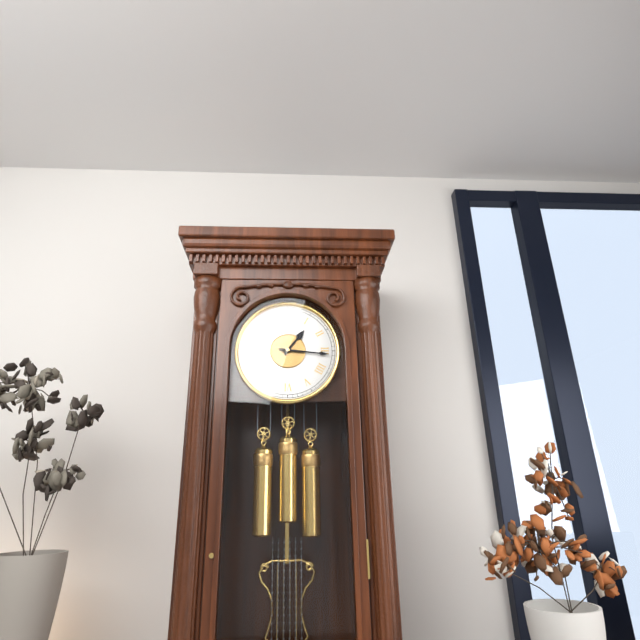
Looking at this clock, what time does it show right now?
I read 1:16
